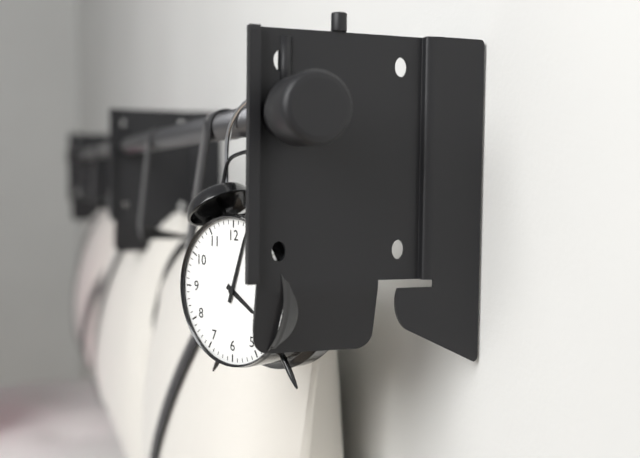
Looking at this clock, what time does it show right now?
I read 4:03
